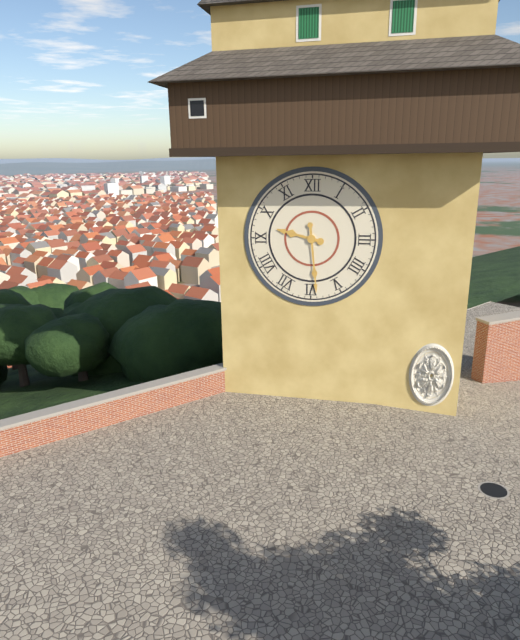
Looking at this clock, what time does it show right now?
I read 9:29
